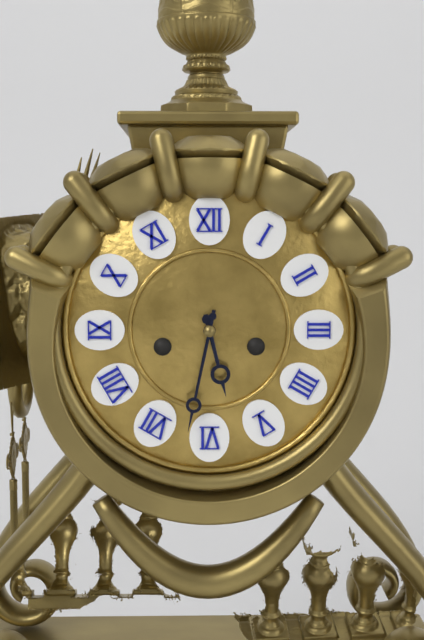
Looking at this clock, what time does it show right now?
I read 5:32
